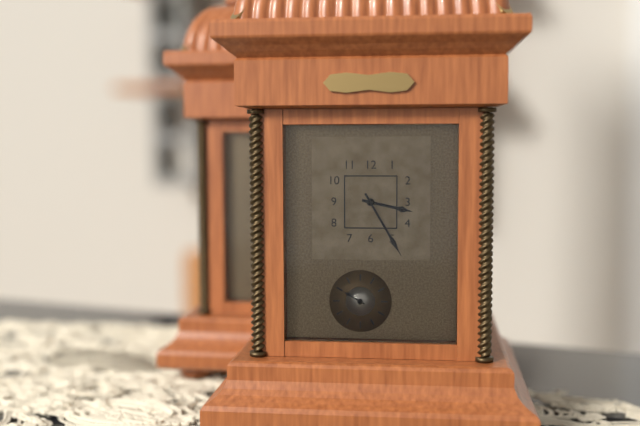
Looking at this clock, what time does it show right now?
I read 3:25
